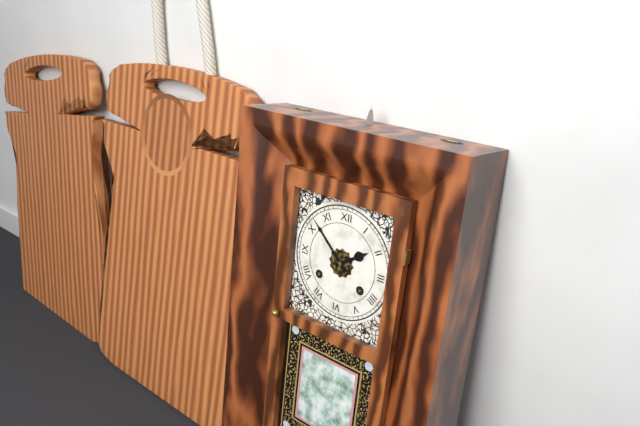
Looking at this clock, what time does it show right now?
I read 1:52
